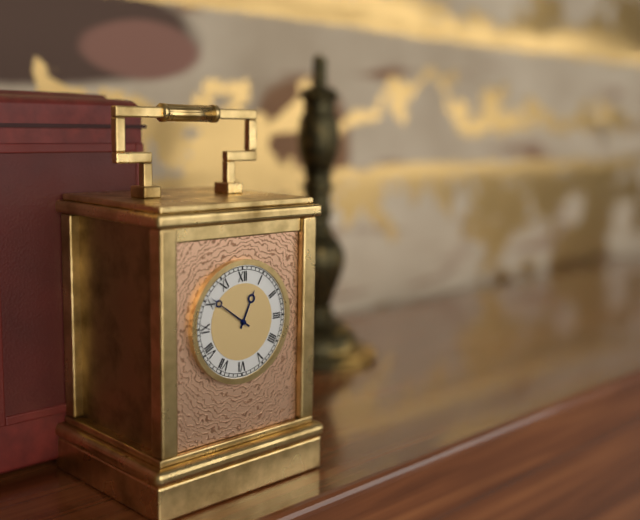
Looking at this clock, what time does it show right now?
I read 12:51
